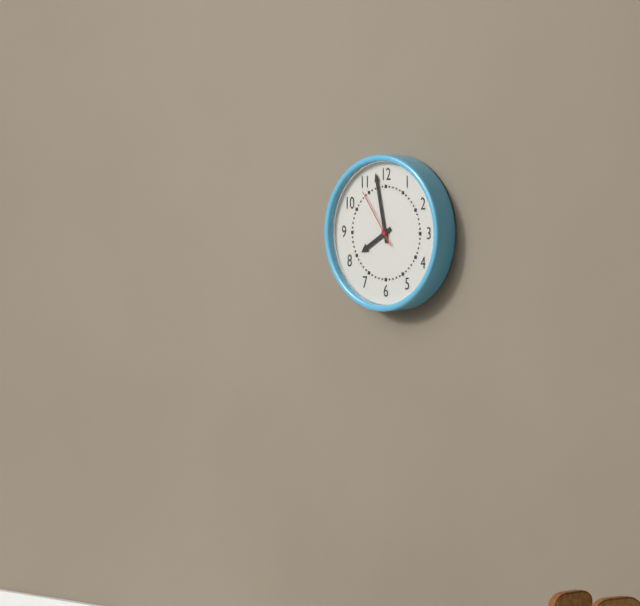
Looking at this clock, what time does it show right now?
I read 7:58:54
